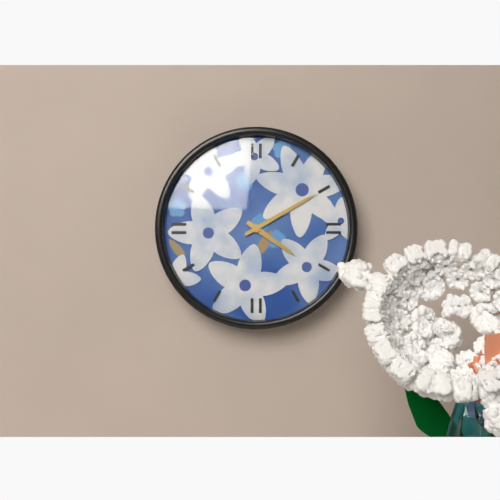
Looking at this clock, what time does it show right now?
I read 4:10
